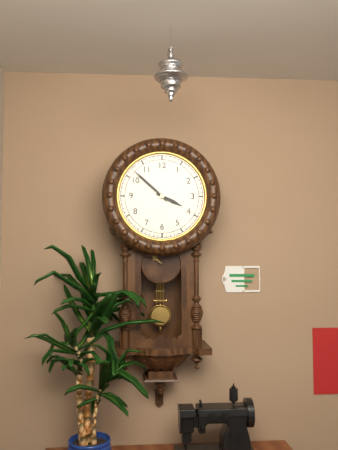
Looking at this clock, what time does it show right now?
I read 3:52
